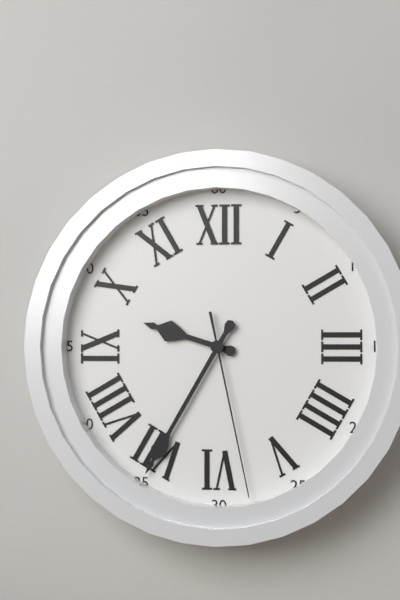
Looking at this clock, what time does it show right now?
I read 9:35:28
